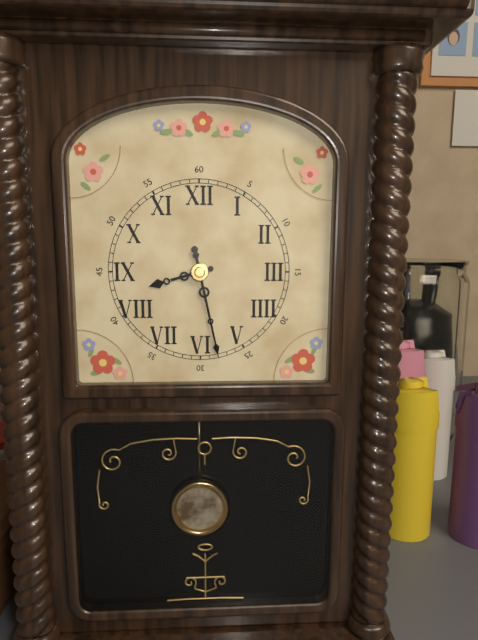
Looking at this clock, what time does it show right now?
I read 8:28:28
